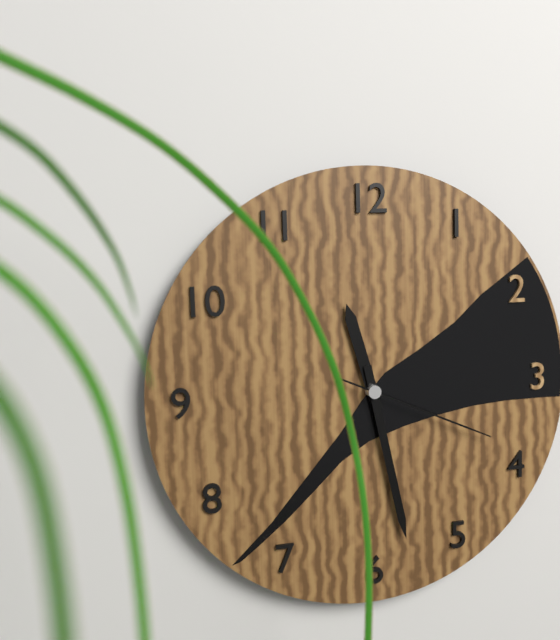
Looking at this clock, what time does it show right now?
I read 11:28:19
